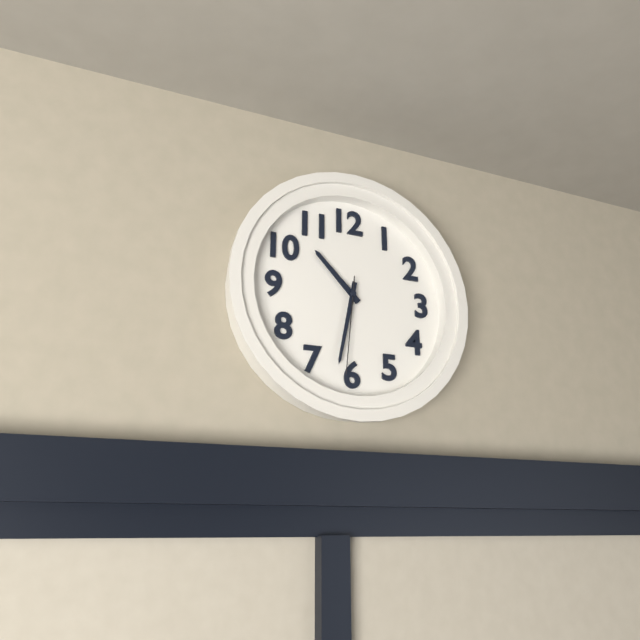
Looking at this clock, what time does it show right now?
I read 10:32:31
